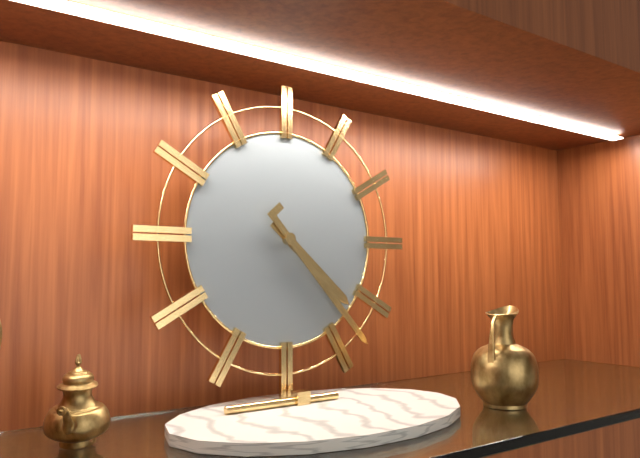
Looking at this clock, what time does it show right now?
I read 4:23
